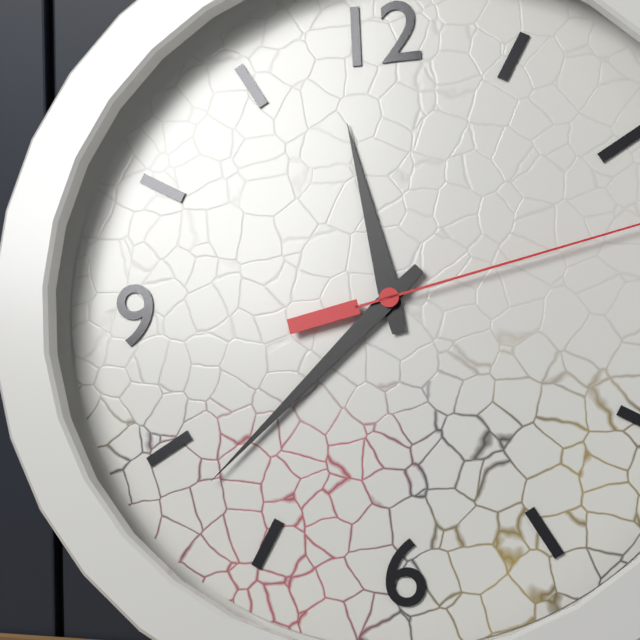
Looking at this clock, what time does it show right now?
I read 11:38
